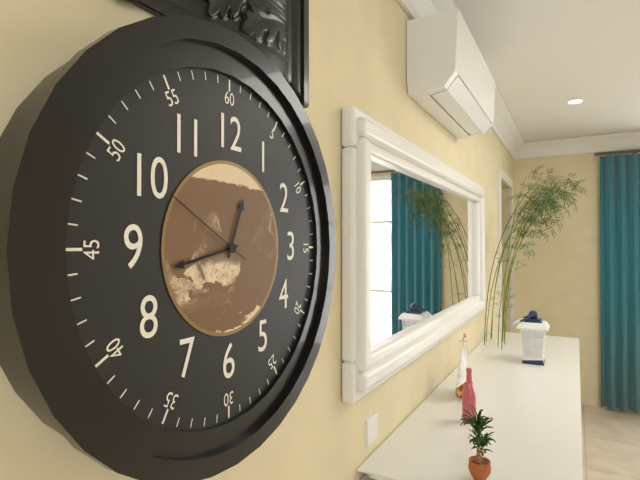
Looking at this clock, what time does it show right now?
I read 12:43:50
